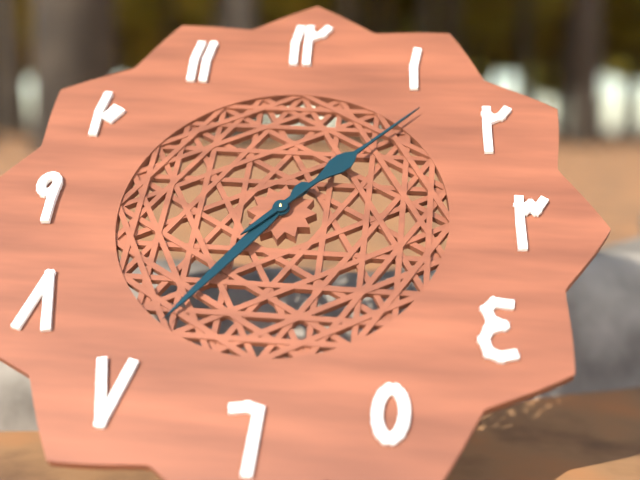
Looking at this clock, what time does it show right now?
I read 7:07
